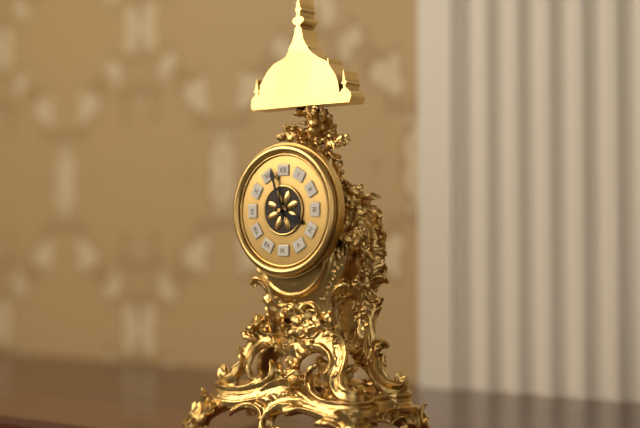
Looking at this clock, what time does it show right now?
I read 3:57
